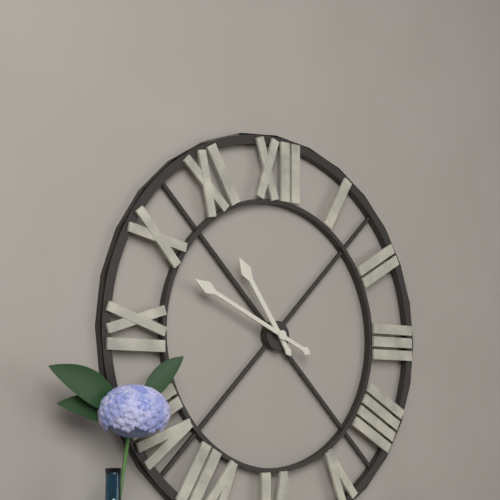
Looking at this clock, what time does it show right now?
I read 10:49
